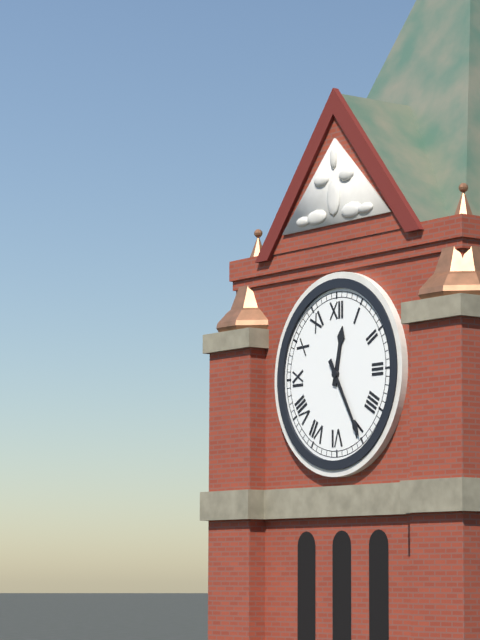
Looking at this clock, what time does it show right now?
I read 12:25
